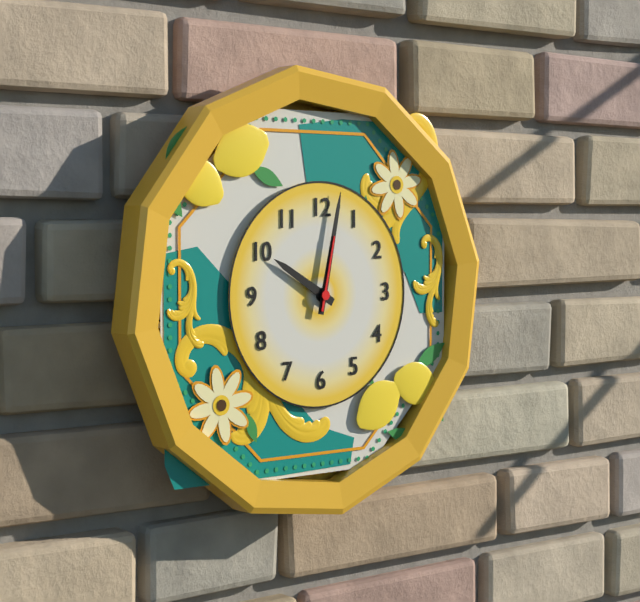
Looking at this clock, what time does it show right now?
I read 10:02:02
